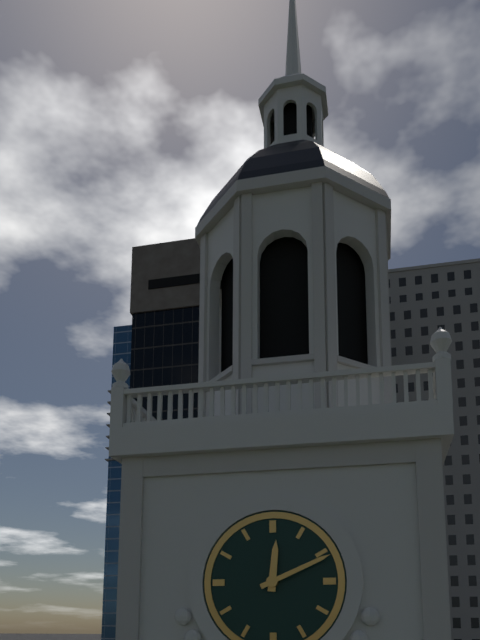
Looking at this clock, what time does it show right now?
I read 12:11
